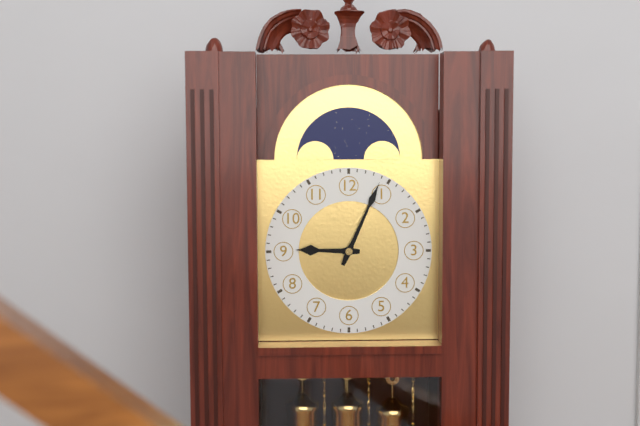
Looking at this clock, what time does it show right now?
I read 9:04
